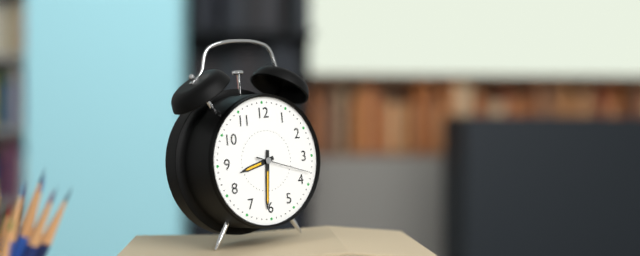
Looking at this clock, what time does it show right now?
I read 8:31:18
